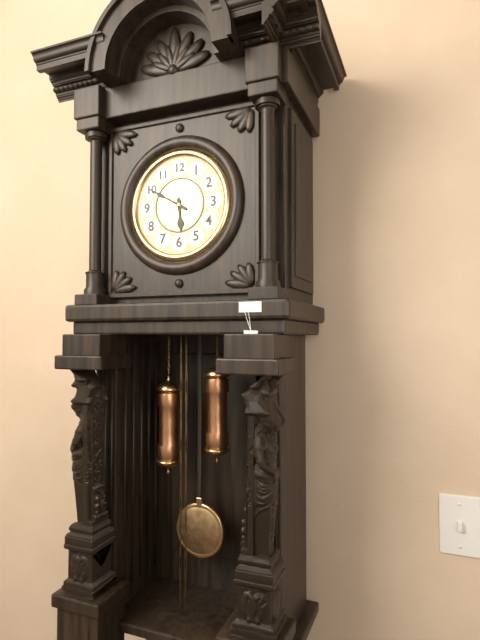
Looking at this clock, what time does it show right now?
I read 5:50
